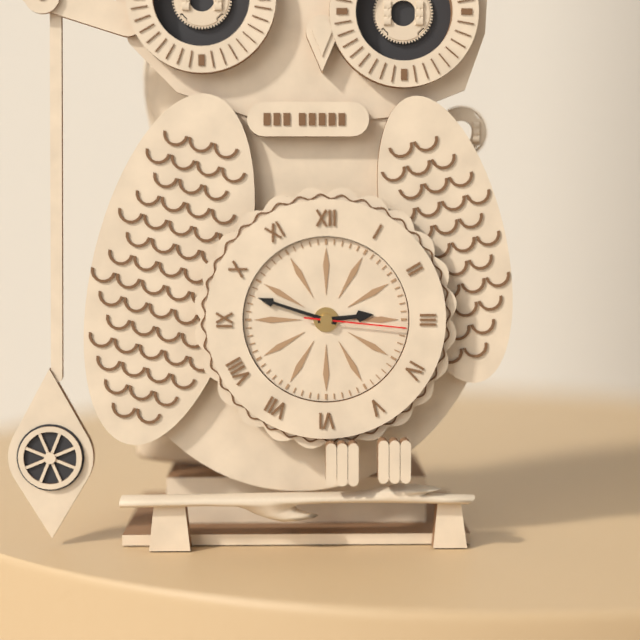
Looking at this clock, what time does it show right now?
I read 2:48:16
